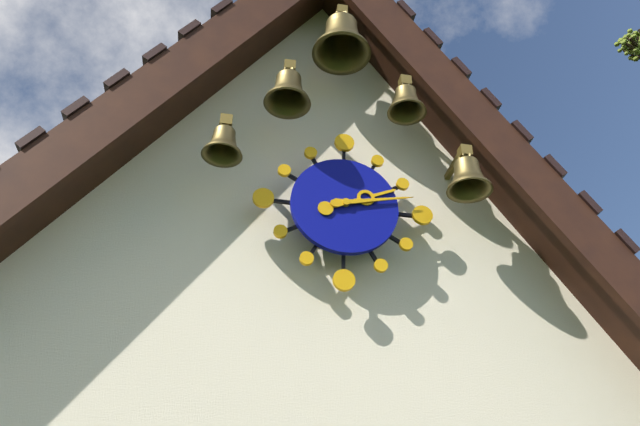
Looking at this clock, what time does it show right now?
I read 2:13
